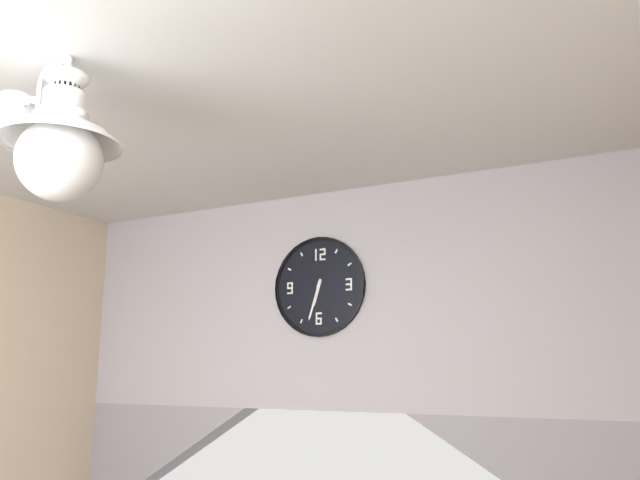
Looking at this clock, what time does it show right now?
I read 6:33
